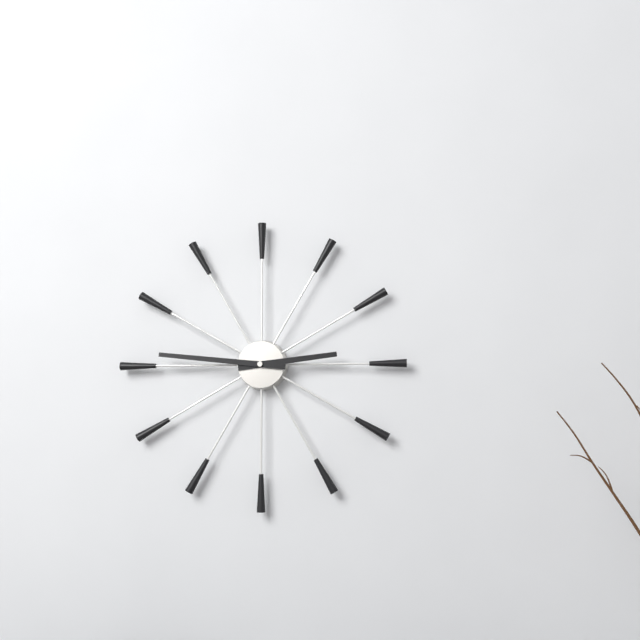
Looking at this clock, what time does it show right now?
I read 2:46
